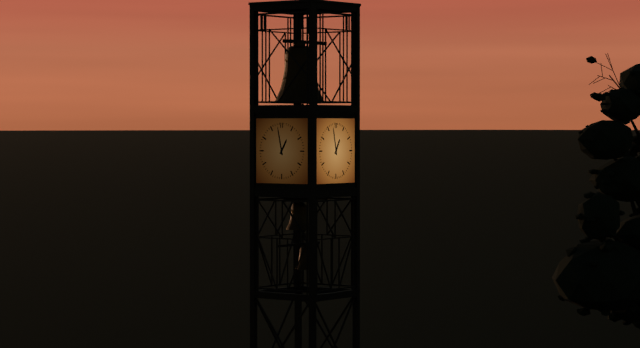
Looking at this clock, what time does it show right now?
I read 12:58
